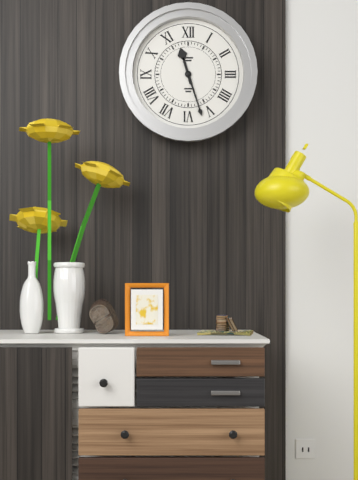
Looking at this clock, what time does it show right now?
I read 11:27
